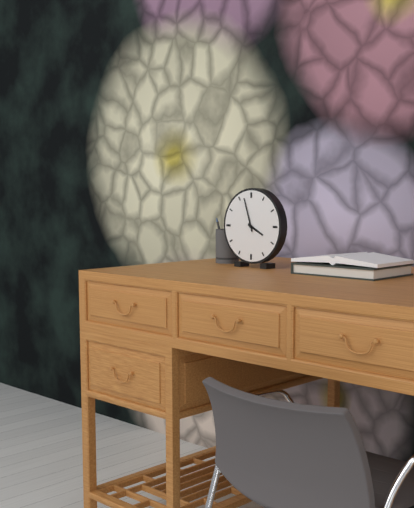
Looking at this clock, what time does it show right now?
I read 3:57
